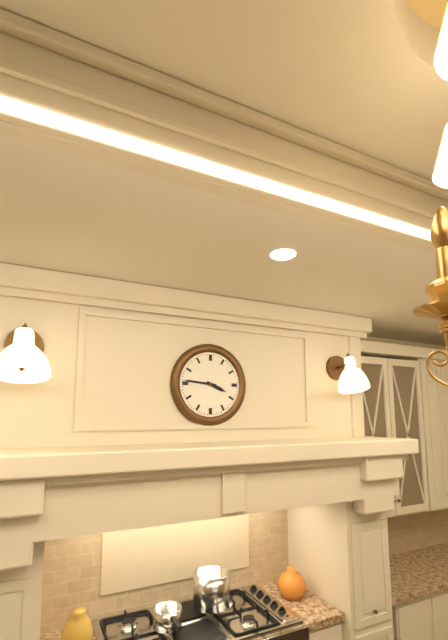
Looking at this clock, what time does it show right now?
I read 3:46
